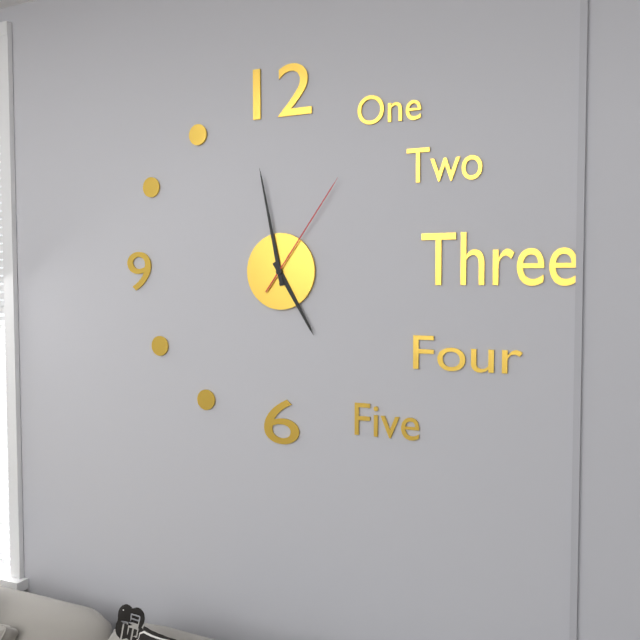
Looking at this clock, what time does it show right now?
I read 4:58:06
